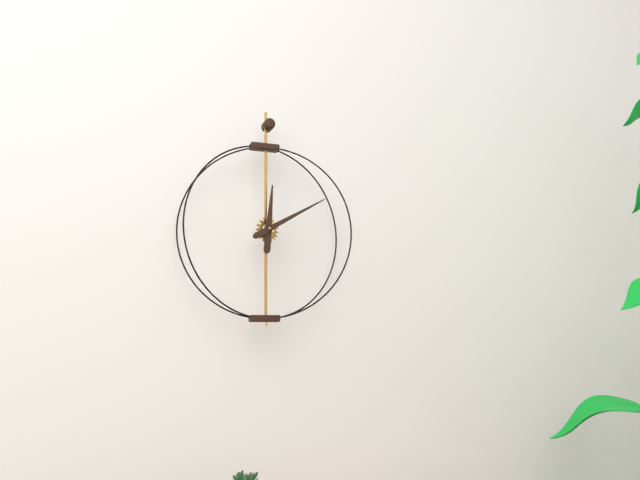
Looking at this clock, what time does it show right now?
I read 12:10
